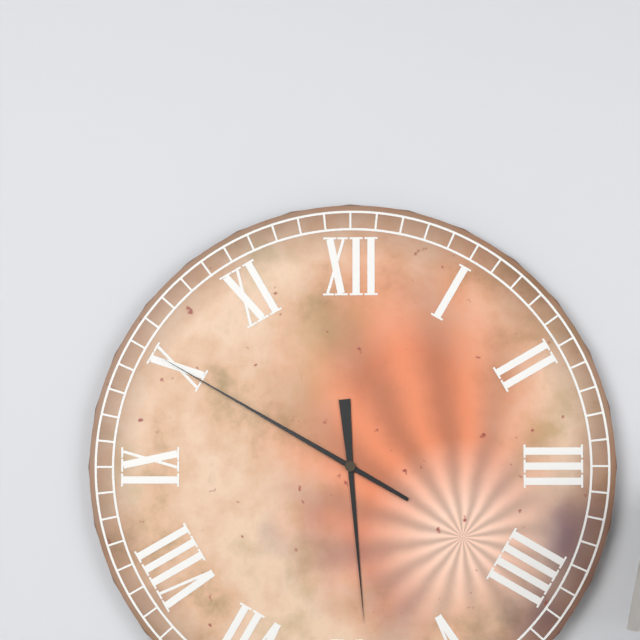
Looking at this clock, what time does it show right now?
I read 5:50
